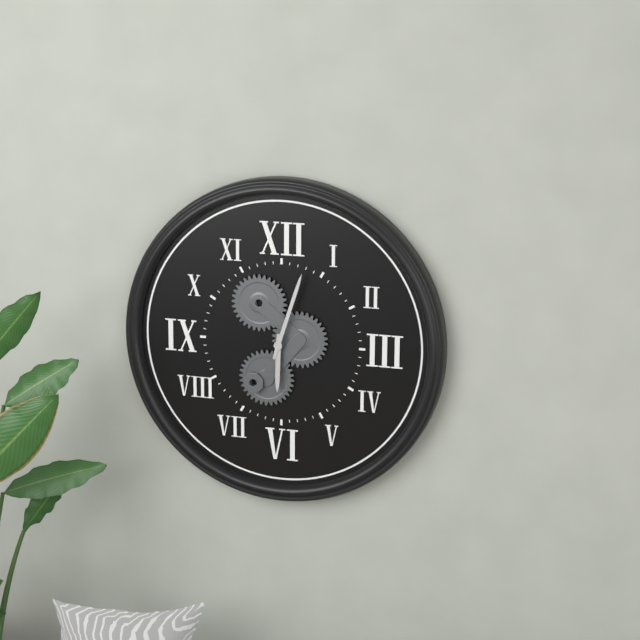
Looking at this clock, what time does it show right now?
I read 6:03
